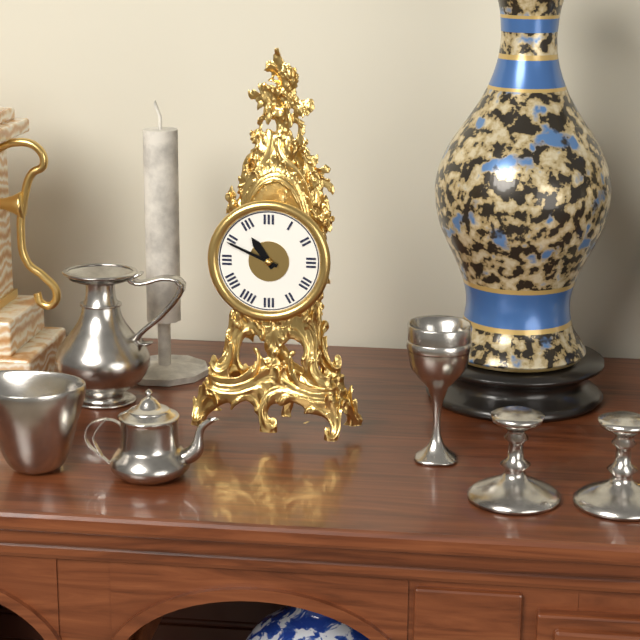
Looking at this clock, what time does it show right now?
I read 10:49
